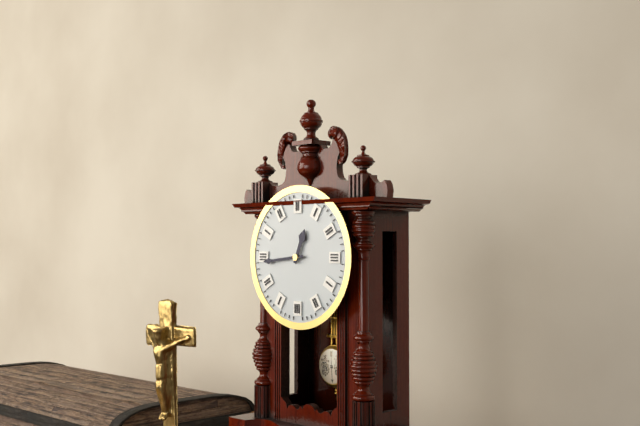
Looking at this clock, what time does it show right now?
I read 12:44
